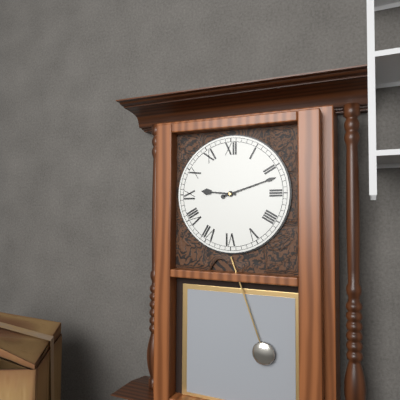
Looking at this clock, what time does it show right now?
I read 9:12
